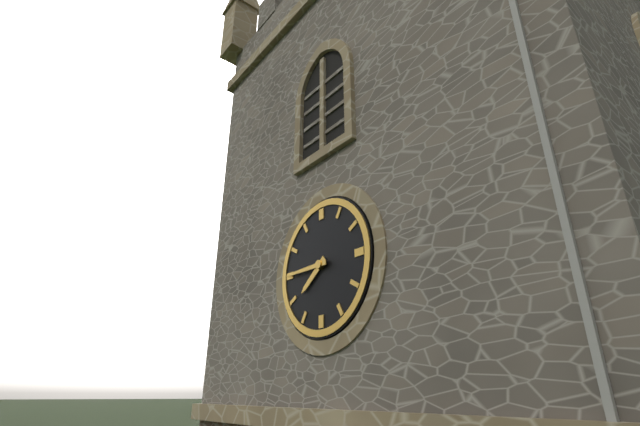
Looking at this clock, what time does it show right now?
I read 7:45
